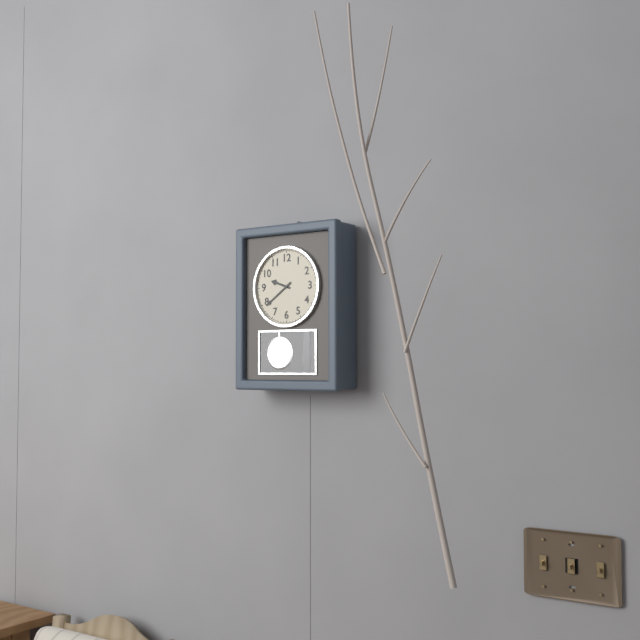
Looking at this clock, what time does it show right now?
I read 9:39
